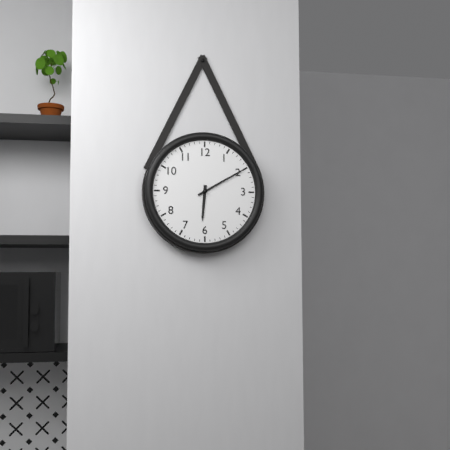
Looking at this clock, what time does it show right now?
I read 6:10
